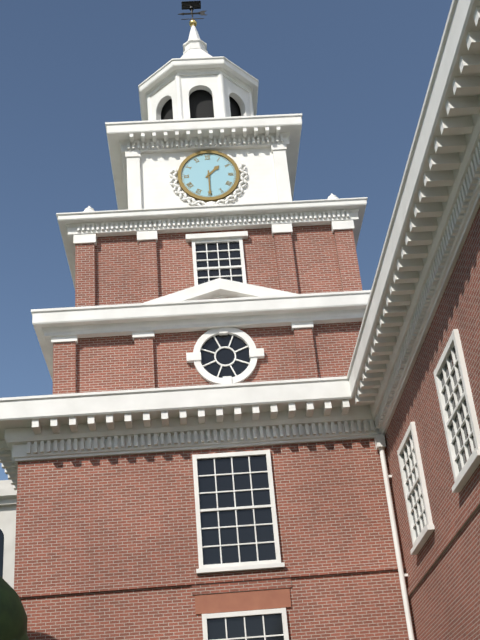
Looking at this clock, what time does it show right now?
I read 1:30
